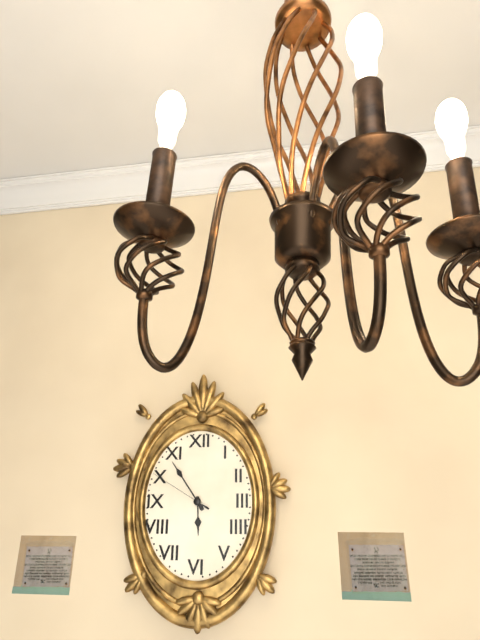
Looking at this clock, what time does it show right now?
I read 5:54:50
